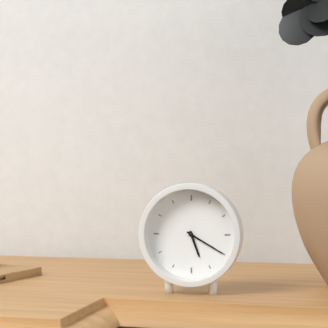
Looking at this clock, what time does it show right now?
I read 5:20
